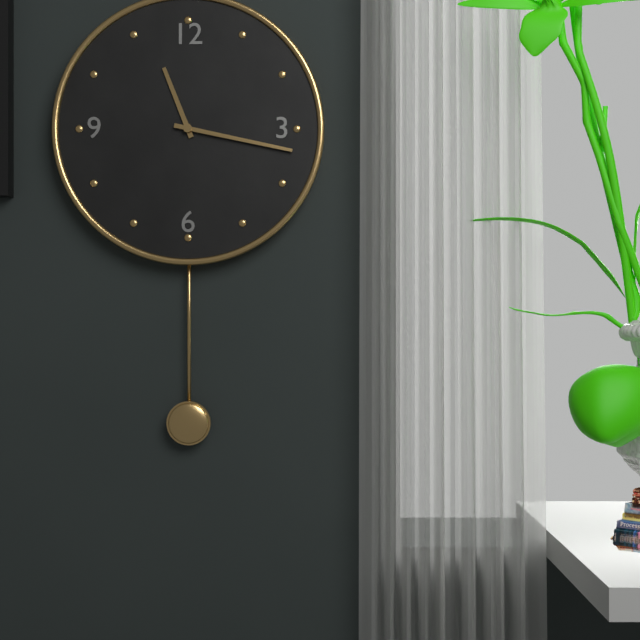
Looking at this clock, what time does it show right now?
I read 11:17
